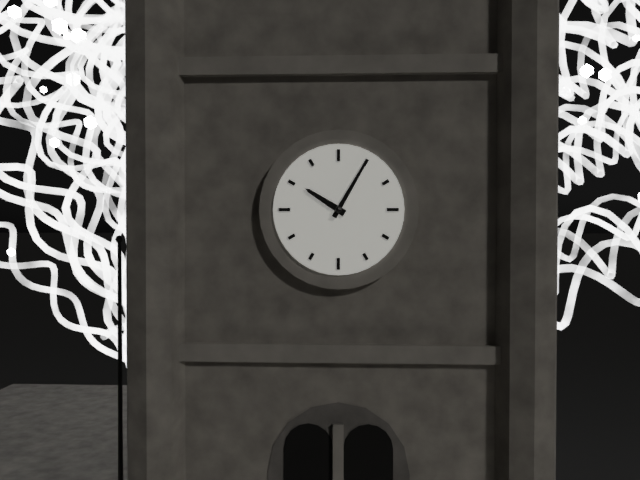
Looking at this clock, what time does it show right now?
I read 10:05
